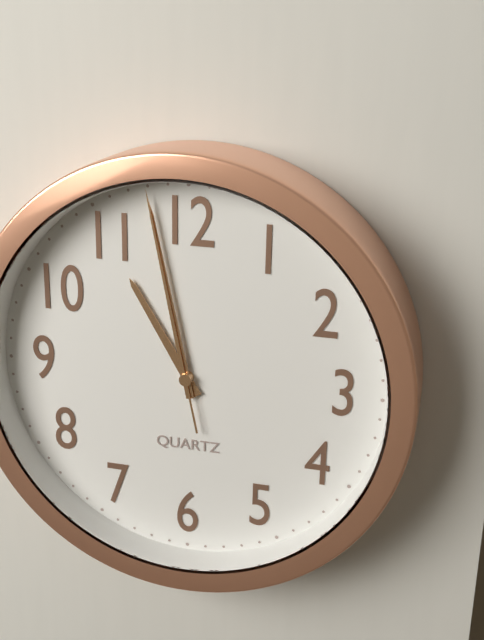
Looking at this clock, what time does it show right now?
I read 10:58:58
